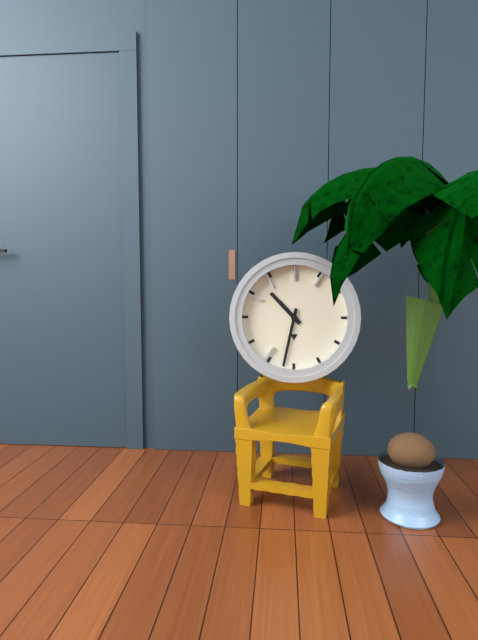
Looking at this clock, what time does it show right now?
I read 10:32
